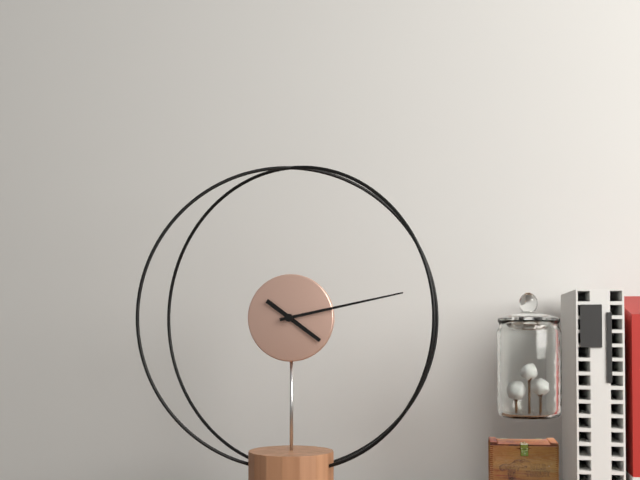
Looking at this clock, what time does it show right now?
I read 4:13
